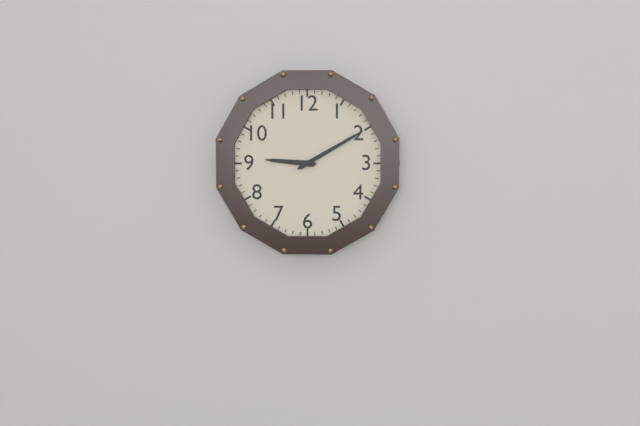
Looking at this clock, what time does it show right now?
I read 9:10
